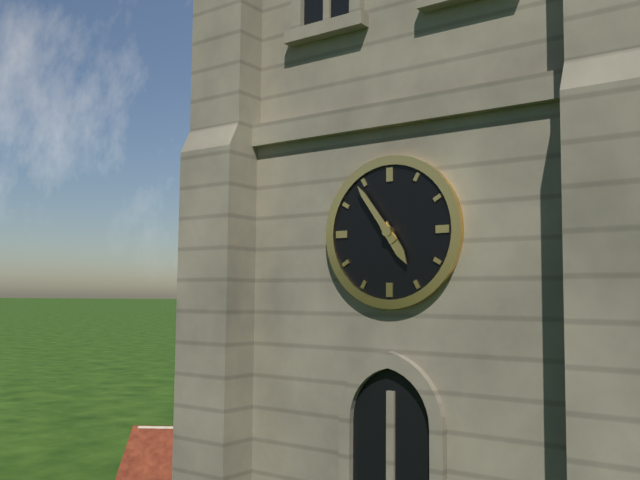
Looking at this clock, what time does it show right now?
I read 4:54
